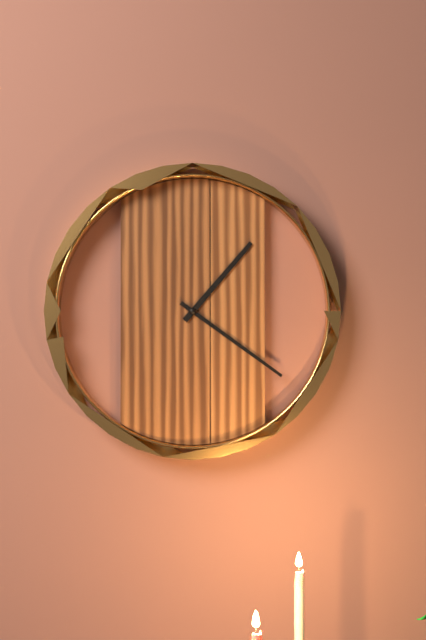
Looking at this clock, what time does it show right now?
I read 1:21
